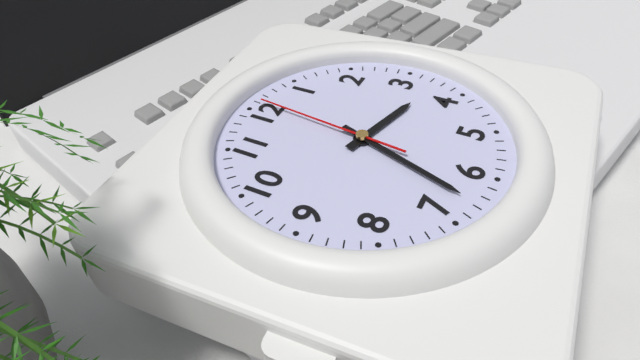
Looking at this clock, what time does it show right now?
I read 3:33:01
